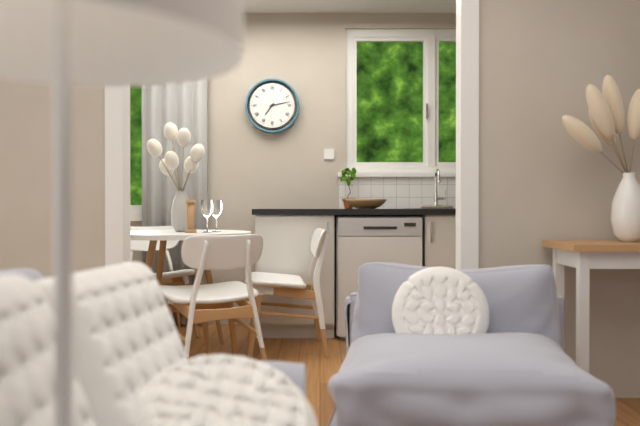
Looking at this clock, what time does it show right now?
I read 7:13
